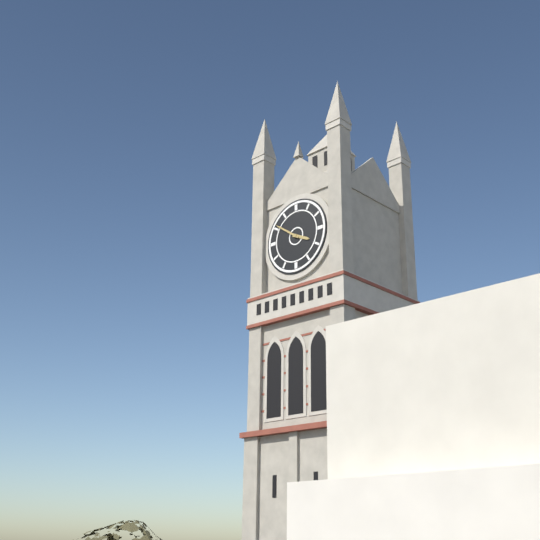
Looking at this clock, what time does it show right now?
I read 3:51
